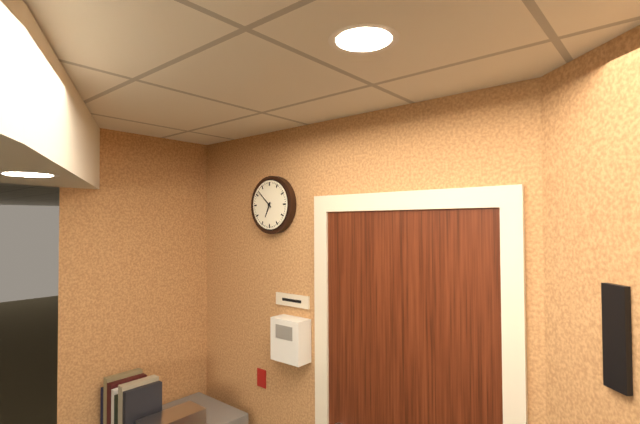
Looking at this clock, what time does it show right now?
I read 6:52
